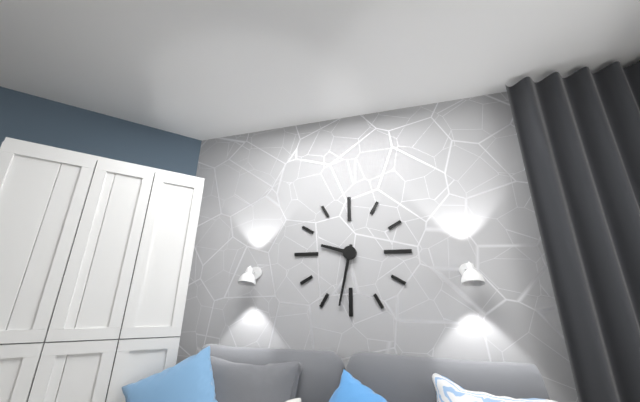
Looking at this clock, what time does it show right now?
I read 9:32
